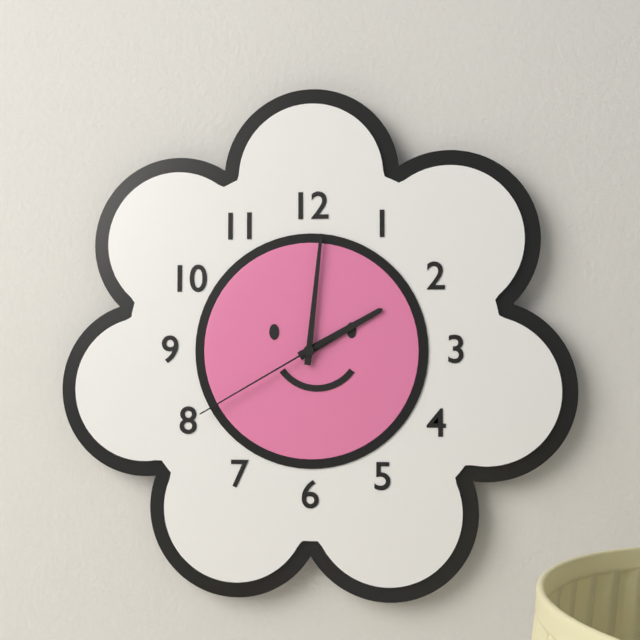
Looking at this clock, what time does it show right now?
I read 2:01:40
